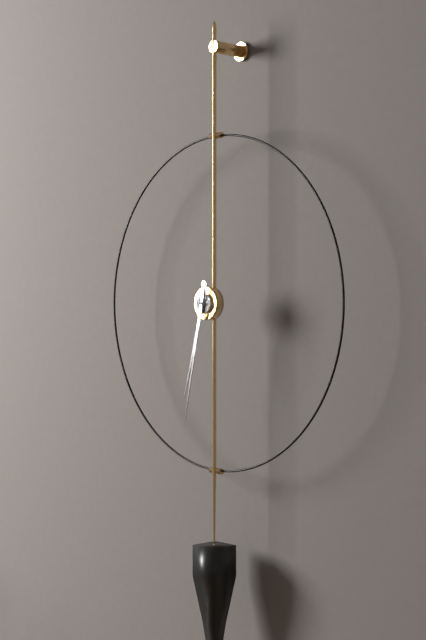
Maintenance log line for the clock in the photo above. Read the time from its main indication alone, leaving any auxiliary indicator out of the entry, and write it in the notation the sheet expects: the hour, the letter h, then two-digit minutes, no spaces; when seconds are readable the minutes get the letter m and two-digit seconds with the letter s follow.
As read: 6h32
